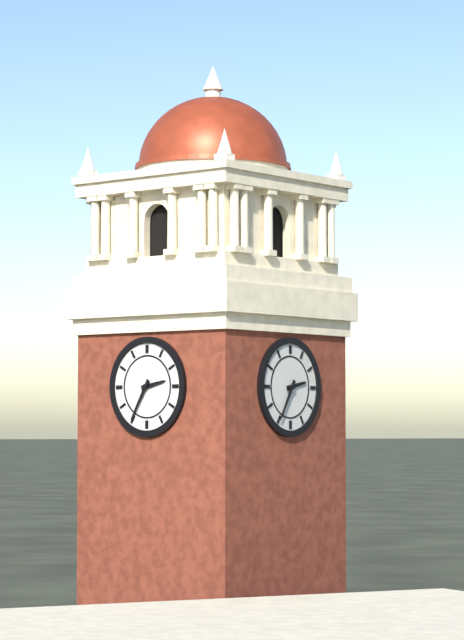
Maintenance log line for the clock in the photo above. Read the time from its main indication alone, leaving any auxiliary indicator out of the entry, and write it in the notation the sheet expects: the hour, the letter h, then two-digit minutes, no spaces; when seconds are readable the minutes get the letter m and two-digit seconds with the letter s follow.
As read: 2h35
